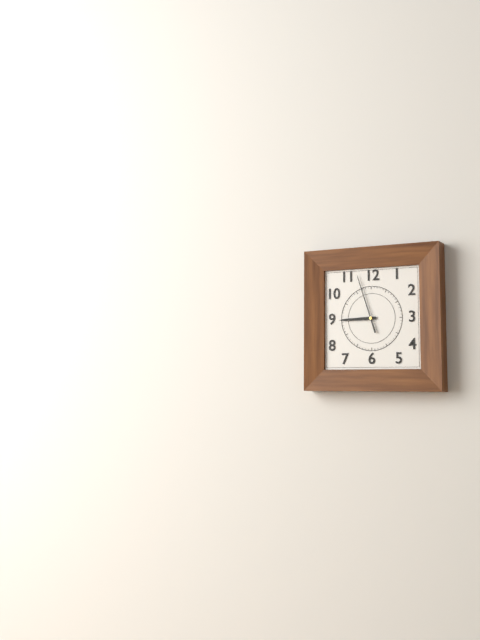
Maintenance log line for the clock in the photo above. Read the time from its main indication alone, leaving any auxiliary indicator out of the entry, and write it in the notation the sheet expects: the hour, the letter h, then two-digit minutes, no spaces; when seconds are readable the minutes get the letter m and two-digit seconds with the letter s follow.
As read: 8h57
